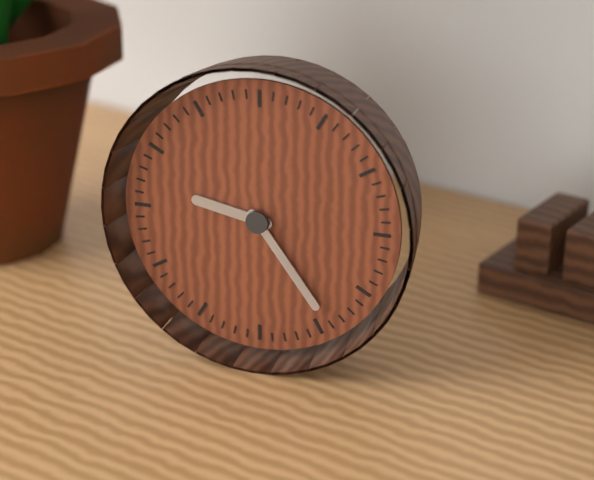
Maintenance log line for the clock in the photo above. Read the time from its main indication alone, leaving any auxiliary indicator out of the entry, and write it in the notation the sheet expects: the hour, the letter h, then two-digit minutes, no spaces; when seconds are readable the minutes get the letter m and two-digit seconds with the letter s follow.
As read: 9h24
